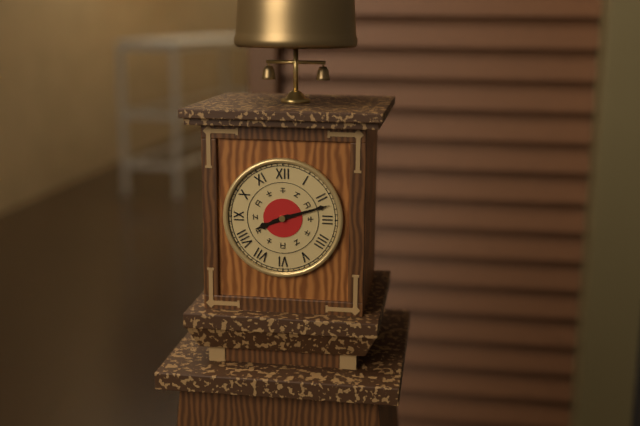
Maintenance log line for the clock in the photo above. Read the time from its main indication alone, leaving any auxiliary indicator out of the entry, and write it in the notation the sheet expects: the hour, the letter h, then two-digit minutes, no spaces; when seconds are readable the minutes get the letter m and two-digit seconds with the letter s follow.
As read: 8h12
